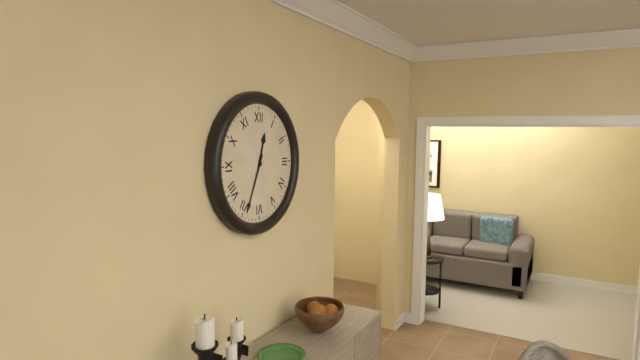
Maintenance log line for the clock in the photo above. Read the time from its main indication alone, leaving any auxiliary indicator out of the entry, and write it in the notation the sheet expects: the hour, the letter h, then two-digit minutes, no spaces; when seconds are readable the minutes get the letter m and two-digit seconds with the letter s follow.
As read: 12h34
